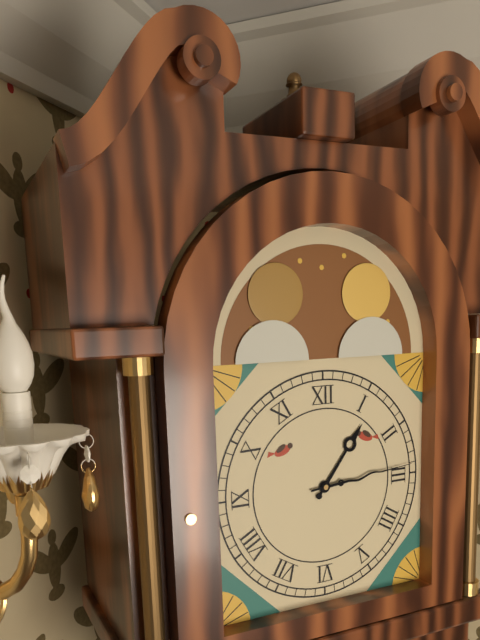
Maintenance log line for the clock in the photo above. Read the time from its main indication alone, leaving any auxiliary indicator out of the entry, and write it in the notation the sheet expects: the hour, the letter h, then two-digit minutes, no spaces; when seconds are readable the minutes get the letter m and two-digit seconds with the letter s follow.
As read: 1h14
